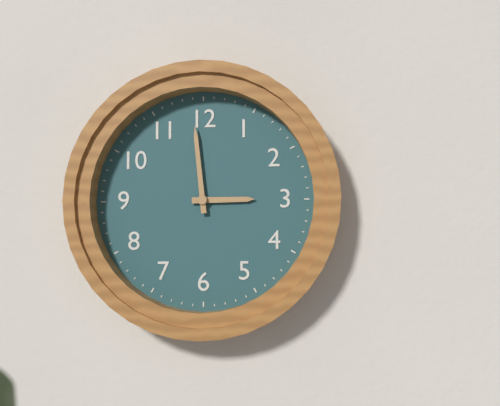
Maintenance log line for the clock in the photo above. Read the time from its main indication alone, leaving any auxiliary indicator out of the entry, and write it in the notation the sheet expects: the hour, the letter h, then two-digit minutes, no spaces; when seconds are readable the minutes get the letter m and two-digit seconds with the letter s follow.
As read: 2h59
